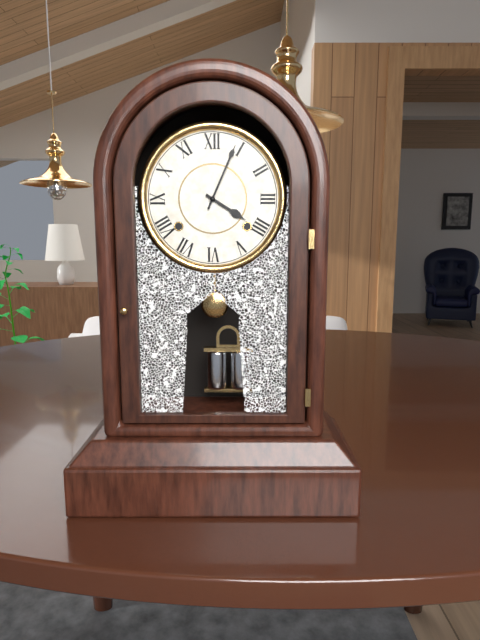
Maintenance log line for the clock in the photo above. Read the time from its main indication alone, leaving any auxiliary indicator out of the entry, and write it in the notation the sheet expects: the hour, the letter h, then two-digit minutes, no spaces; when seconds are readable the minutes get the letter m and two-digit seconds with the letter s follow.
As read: 4h04
